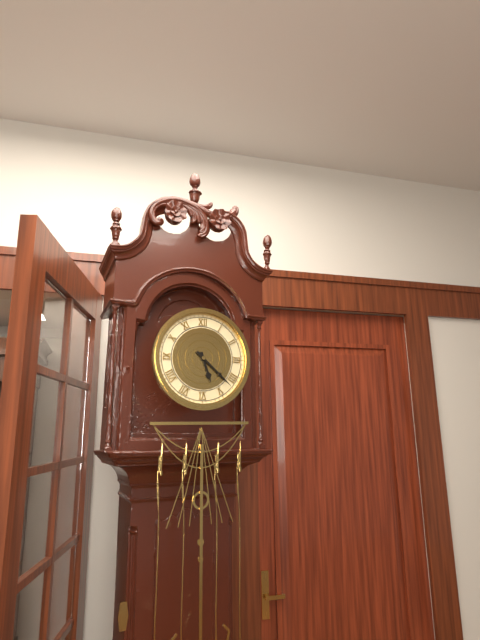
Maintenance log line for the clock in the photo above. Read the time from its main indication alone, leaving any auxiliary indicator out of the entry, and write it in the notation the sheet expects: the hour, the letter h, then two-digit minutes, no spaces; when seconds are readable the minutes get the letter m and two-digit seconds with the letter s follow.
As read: 5h22
